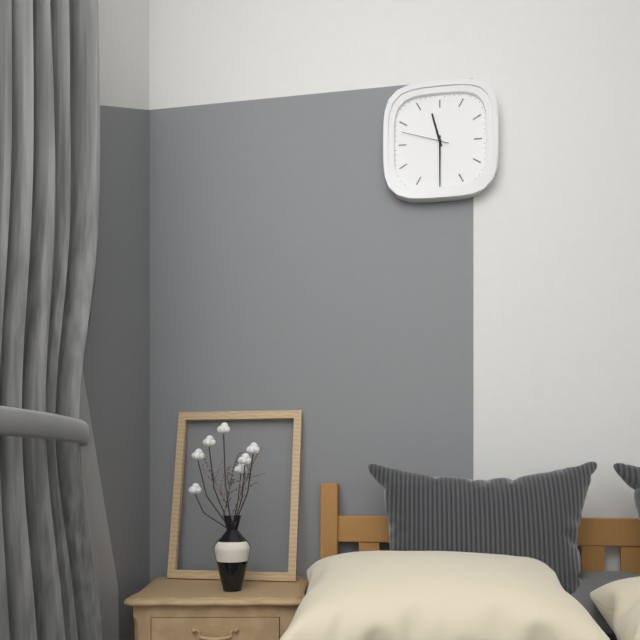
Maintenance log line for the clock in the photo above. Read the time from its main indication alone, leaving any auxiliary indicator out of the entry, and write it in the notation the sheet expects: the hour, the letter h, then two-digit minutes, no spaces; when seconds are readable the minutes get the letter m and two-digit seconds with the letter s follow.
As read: 11h30
